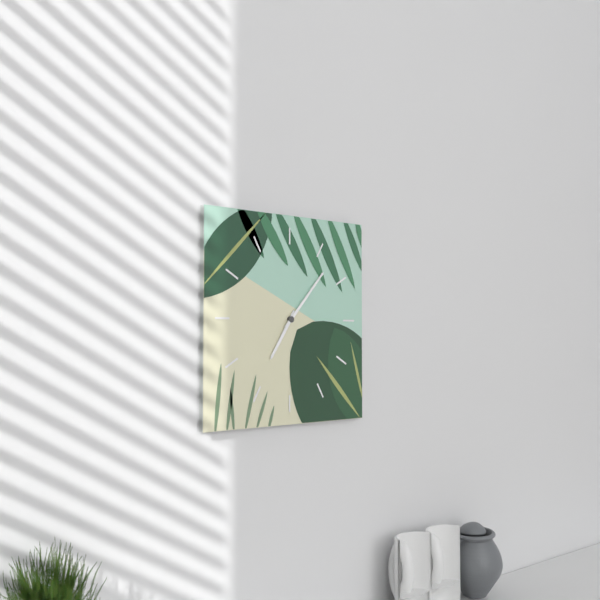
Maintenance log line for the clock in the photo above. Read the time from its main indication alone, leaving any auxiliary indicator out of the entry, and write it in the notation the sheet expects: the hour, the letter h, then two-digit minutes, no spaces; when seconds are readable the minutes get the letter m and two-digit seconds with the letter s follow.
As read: 7h07
